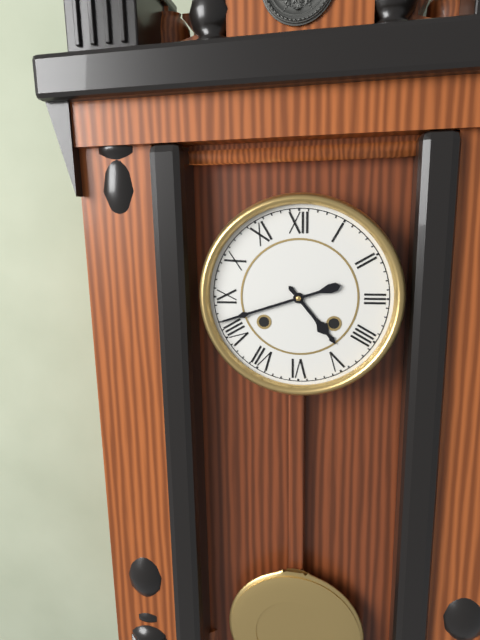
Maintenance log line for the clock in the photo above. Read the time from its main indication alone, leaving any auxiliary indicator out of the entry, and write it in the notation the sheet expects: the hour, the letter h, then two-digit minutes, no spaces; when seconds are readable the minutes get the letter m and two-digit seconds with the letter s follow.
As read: 4h42
